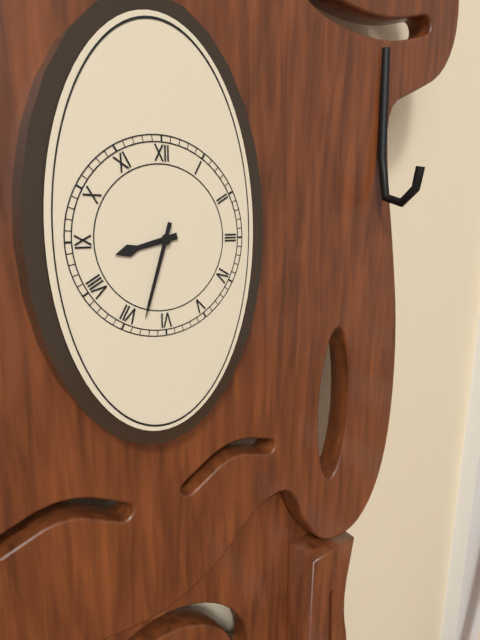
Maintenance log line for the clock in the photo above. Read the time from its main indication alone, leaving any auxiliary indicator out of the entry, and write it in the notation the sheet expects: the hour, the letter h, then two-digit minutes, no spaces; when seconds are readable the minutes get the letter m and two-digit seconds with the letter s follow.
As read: 8h33
